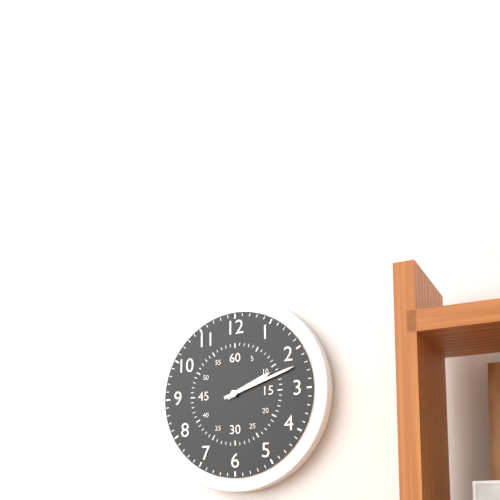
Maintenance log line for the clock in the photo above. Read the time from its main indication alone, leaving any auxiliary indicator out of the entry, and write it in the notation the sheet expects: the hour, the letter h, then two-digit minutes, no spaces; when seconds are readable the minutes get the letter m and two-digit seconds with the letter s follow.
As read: 2h12
